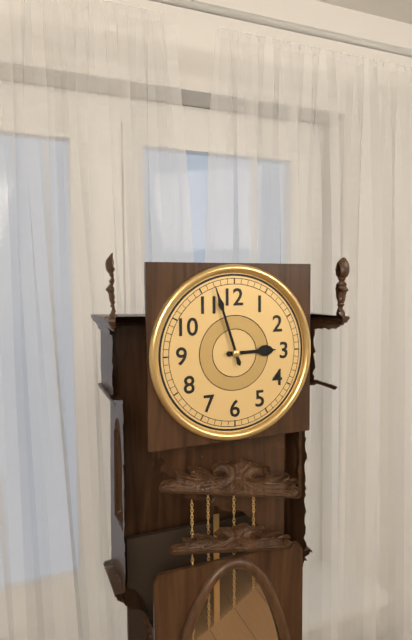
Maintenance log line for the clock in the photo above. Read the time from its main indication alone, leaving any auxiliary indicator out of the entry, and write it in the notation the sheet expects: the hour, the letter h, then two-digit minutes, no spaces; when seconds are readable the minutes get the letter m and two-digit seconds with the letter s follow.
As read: 2h57
